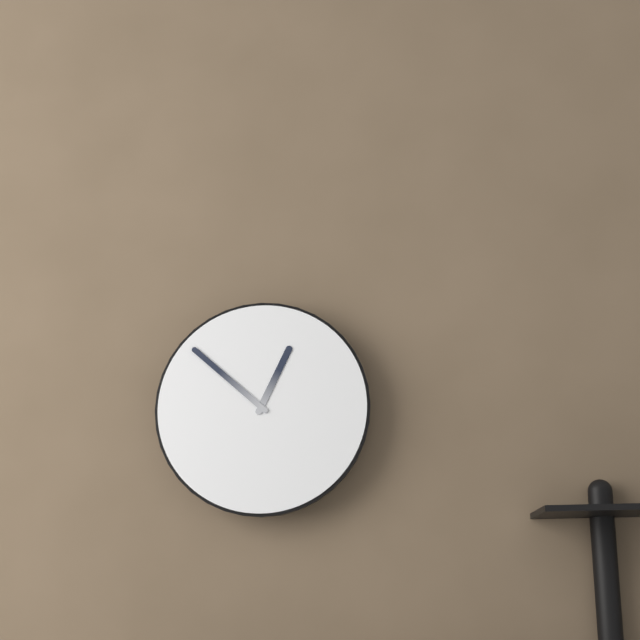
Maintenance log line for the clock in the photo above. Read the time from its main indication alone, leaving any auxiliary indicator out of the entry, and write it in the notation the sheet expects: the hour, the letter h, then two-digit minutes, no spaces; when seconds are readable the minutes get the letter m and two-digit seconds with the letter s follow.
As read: 12h52
